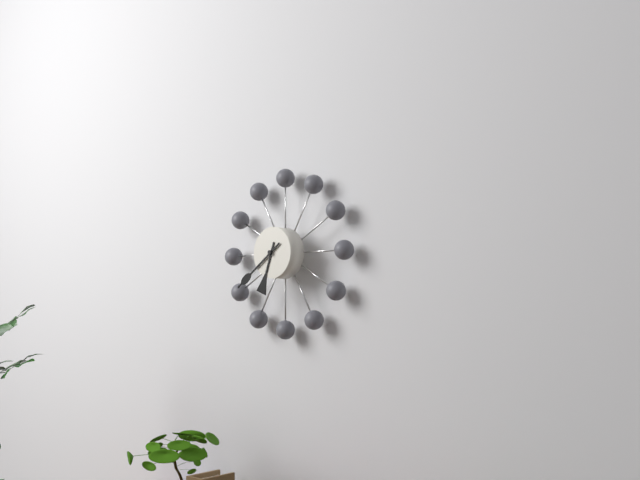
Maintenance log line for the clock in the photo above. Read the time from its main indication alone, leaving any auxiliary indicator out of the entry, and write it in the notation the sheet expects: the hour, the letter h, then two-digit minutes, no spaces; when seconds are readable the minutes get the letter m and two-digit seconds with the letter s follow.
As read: 6h39
